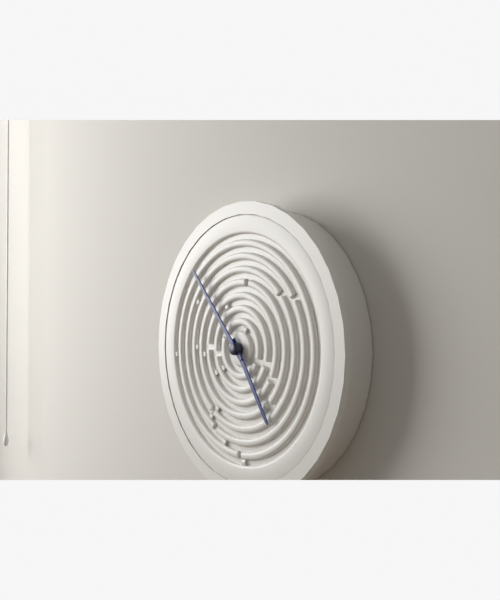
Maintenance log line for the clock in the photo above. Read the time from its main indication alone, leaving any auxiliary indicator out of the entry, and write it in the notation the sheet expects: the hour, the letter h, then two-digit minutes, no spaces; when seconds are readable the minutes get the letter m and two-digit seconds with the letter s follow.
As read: 4h53
